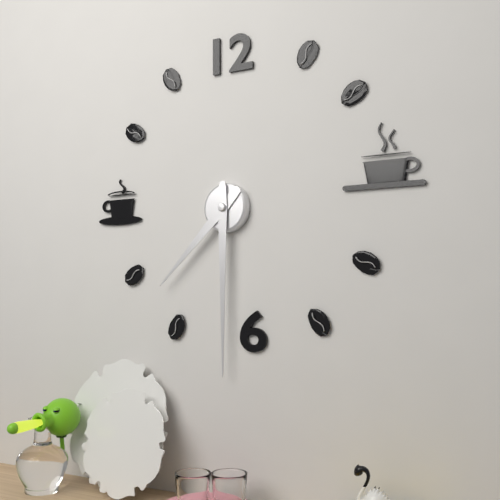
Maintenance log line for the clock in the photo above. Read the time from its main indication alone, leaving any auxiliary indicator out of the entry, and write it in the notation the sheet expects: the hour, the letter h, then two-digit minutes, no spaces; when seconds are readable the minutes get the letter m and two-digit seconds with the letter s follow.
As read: 7h30
